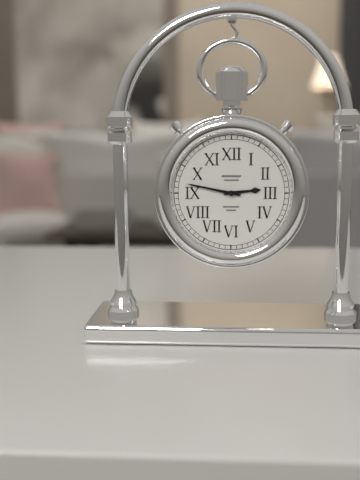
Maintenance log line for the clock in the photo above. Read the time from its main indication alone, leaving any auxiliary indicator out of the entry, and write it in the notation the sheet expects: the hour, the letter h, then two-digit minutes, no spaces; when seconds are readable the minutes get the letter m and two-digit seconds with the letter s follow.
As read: 2h47
